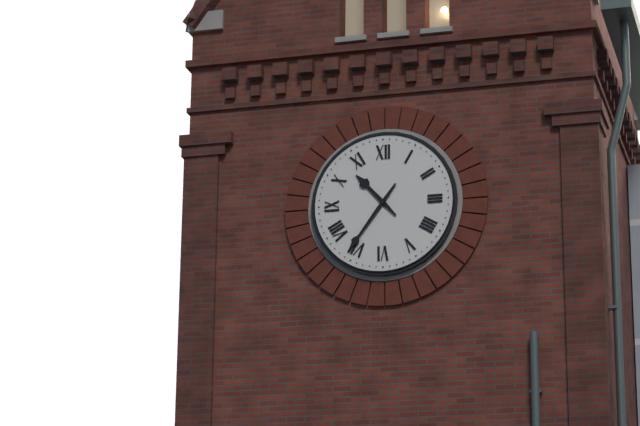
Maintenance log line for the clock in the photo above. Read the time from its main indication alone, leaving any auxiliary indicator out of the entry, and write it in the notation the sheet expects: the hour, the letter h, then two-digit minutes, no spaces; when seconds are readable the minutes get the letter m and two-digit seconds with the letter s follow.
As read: 10h36
